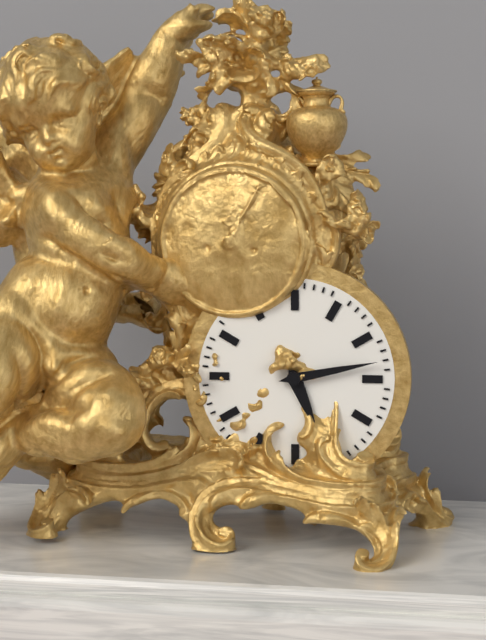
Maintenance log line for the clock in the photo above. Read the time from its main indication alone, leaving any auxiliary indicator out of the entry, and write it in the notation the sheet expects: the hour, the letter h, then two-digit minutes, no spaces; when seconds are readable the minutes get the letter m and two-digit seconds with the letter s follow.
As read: 5h13
